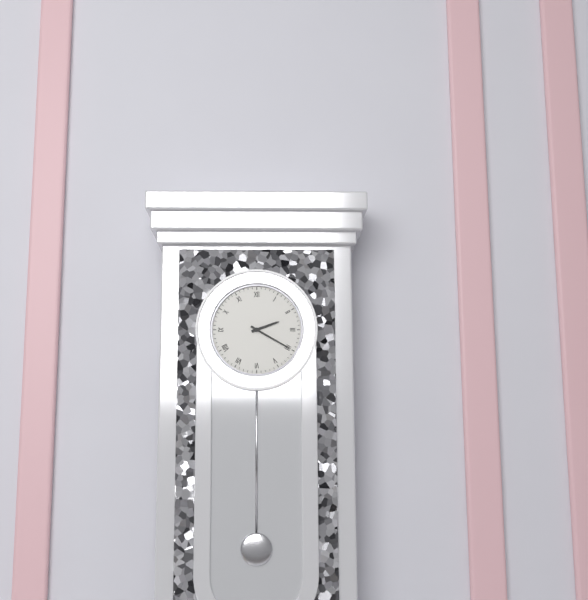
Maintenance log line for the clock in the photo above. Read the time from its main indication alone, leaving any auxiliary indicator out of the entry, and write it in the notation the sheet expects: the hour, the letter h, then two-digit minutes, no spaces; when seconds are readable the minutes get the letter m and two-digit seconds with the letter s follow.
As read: 2h20
